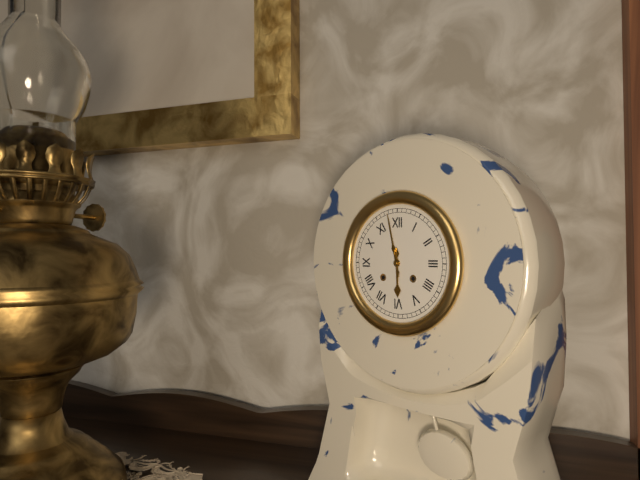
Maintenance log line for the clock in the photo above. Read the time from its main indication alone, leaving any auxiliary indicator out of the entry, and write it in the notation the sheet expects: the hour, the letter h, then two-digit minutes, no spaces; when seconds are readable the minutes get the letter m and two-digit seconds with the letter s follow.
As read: 5h58
